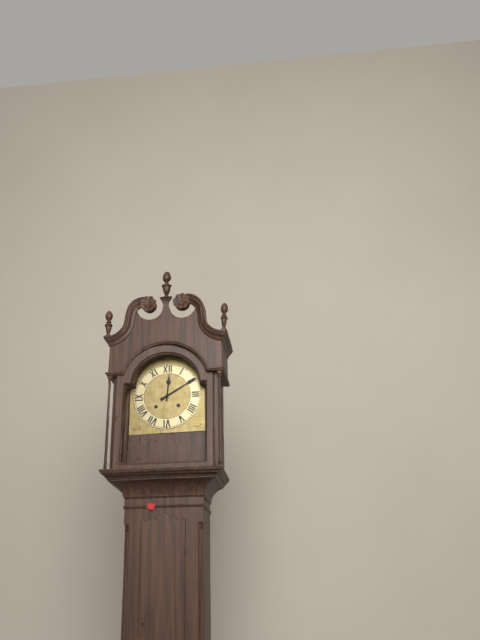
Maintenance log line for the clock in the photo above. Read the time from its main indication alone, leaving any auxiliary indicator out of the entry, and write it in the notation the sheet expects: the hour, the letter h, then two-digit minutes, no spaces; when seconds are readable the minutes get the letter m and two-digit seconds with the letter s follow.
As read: 12h10
